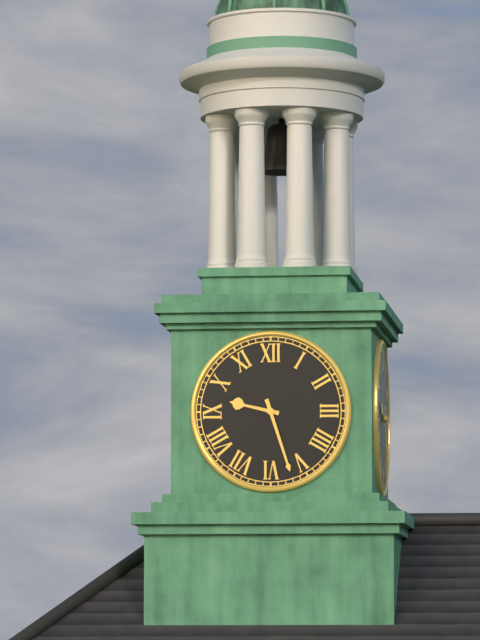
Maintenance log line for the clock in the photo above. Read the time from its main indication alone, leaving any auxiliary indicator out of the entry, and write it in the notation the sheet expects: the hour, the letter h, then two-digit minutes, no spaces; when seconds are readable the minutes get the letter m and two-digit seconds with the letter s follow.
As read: 9h27
